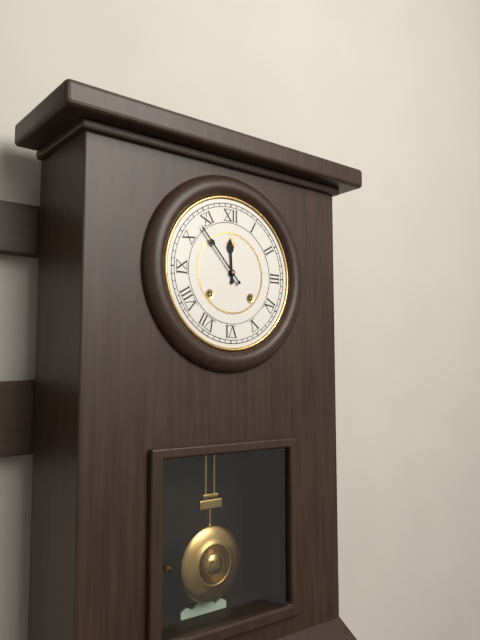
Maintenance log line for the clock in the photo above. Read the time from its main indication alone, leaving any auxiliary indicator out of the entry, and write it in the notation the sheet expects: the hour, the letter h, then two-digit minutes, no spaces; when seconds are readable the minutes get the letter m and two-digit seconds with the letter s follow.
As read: 11h53
